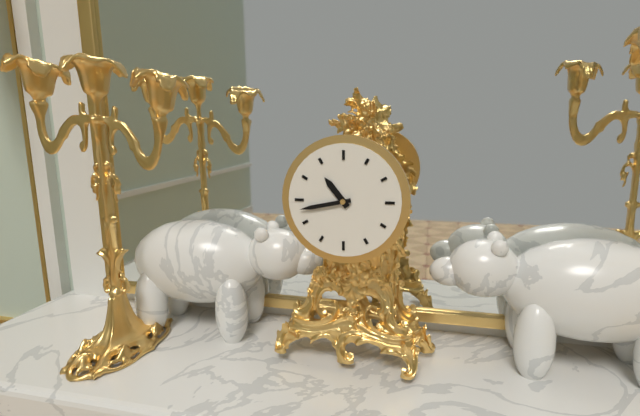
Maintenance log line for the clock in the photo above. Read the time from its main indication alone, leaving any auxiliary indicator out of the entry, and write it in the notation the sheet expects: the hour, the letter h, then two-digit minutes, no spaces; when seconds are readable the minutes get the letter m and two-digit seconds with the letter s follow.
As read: 10h43
